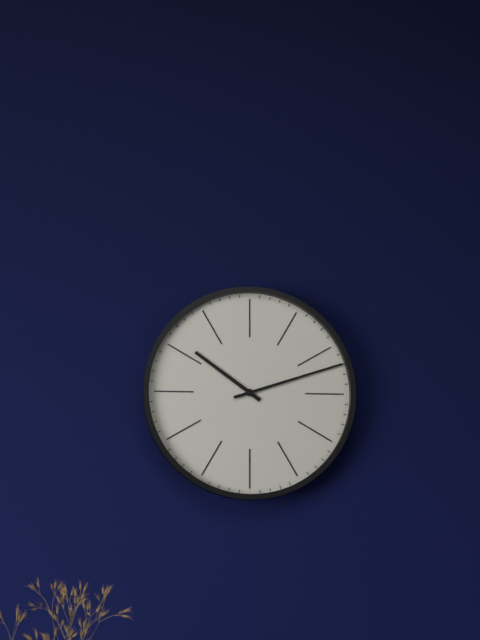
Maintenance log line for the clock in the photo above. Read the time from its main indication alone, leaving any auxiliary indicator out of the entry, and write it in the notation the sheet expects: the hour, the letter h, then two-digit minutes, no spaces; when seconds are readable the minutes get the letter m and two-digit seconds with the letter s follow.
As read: 10h12
